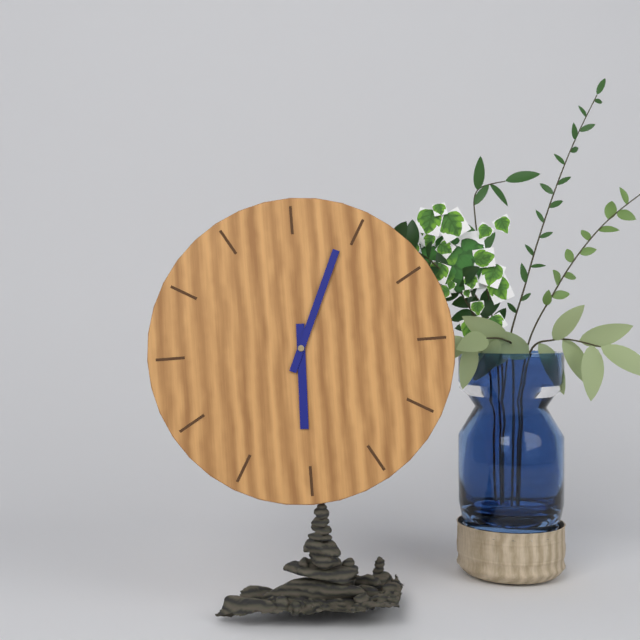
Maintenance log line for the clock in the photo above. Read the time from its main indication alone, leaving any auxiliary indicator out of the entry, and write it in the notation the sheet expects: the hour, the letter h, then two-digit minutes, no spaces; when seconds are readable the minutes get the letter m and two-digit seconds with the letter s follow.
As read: 6h04
